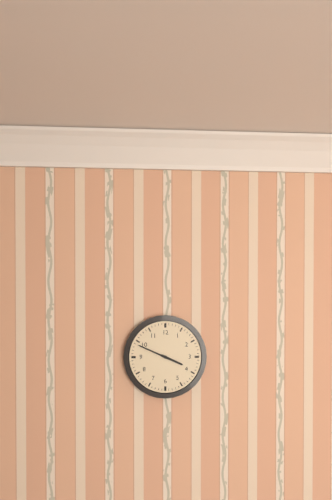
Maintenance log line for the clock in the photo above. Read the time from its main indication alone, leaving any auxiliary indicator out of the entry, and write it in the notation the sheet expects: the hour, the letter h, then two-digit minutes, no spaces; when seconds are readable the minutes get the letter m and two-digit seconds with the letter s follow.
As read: 3h49
